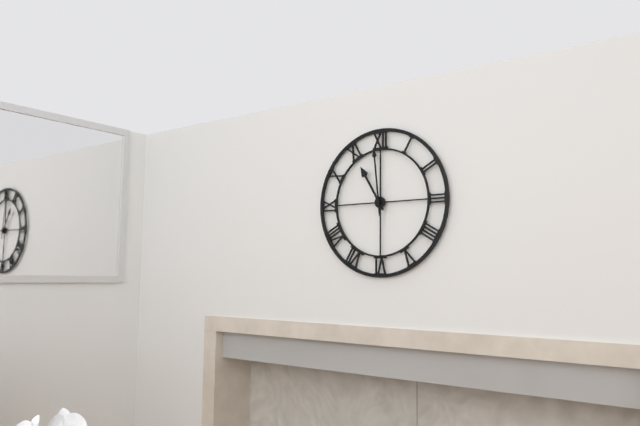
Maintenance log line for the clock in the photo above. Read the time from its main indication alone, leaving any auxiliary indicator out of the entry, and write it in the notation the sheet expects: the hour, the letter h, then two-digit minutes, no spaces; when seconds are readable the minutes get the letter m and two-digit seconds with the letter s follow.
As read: 10h59
